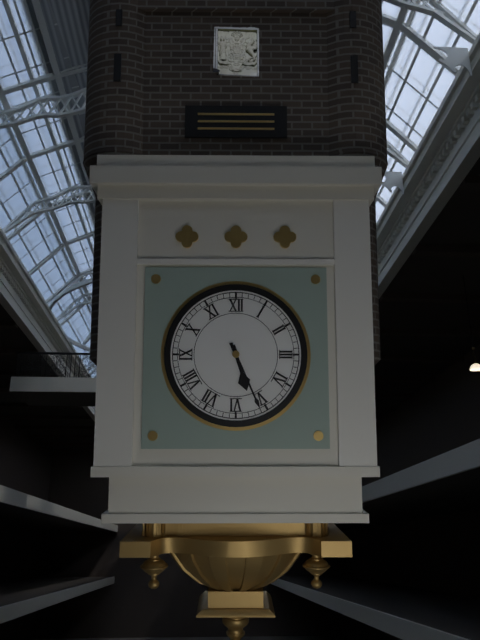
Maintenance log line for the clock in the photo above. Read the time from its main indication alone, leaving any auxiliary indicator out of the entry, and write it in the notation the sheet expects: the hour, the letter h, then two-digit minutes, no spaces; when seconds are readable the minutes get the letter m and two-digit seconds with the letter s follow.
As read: 5h26
